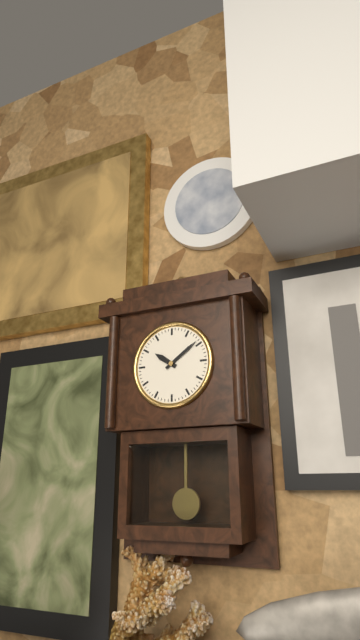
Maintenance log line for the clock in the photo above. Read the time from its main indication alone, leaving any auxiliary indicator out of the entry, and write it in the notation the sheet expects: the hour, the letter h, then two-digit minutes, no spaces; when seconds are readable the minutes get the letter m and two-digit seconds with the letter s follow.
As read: 10h09
